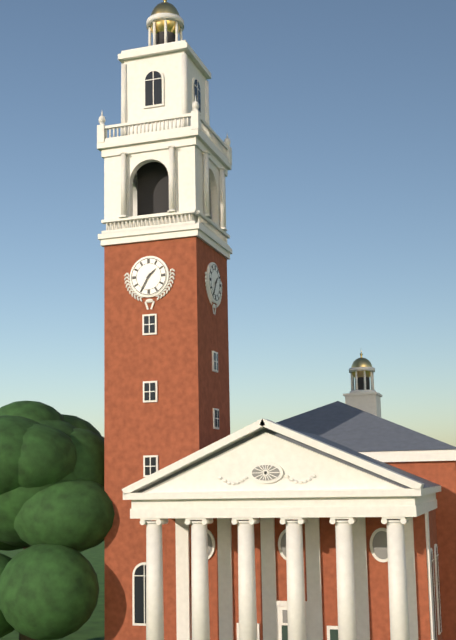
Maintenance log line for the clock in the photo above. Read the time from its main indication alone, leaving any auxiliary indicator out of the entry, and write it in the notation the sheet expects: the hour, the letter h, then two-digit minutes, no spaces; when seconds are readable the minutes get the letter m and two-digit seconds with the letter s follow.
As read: 1h35
